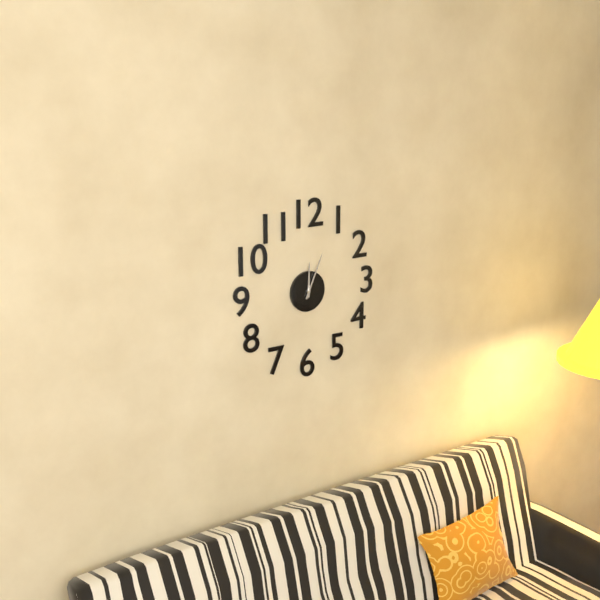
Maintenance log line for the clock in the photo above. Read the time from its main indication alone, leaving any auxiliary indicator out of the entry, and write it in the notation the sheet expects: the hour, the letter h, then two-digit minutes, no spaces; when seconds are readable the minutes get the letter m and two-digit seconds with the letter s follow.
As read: 12h04
